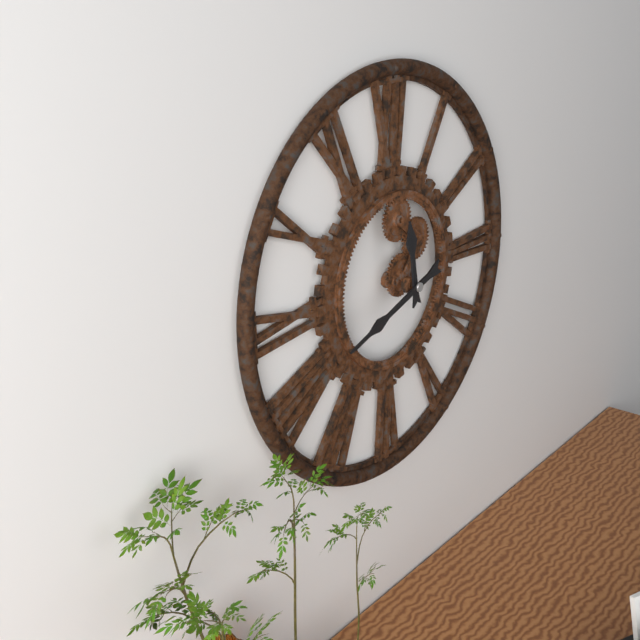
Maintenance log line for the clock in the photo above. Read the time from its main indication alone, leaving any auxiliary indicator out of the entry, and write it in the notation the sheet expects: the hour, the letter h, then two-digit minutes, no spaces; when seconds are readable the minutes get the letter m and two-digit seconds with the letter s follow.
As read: 11h42
